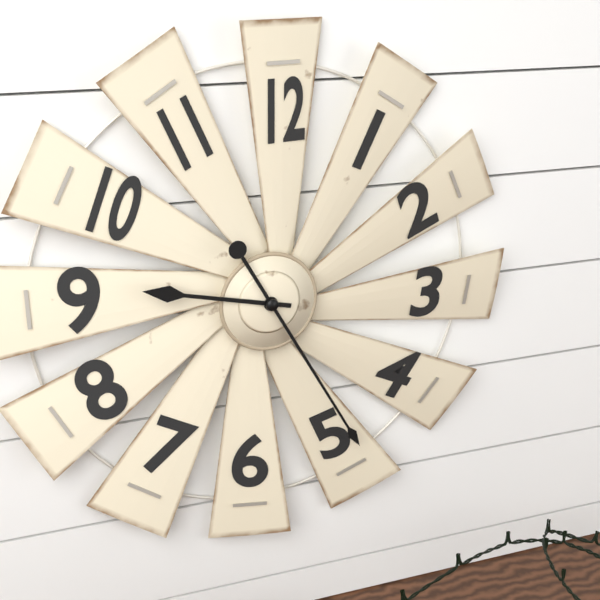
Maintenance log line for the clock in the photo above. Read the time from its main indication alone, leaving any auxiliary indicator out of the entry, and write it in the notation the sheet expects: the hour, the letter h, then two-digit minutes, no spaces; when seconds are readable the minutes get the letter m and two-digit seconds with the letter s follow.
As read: 9h25
